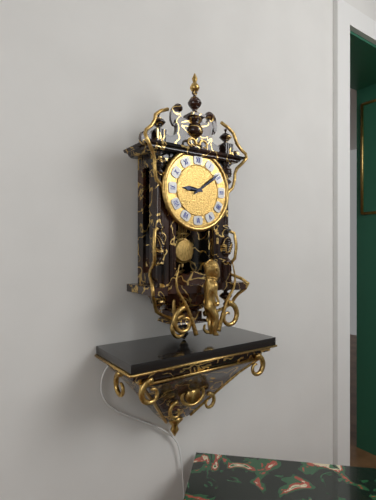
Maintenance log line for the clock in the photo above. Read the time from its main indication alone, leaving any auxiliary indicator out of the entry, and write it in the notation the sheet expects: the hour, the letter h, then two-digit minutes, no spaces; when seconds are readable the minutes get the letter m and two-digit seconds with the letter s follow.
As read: 9h09
